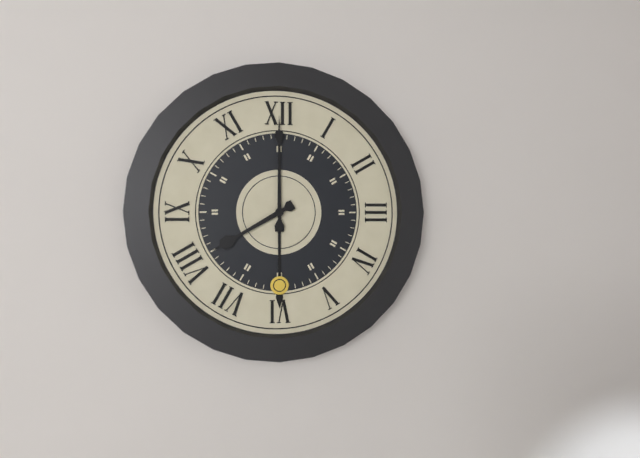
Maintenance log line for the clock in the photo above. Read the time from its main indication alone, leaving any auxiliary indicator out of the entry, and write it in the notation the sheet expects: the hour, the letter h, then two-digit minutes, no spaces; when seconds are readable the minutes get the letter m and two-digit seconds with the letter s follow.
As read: 8h00
